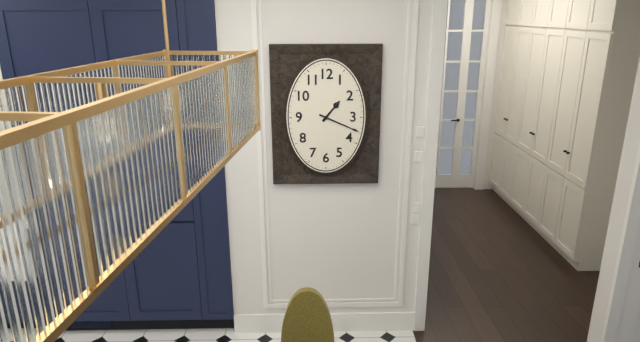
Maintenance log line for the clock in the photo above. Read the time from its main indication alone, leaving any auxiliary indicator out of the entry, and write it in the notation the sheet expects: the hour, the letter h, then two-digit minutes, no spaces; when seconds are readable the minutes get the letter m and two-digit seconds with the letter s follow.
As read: 1h19
